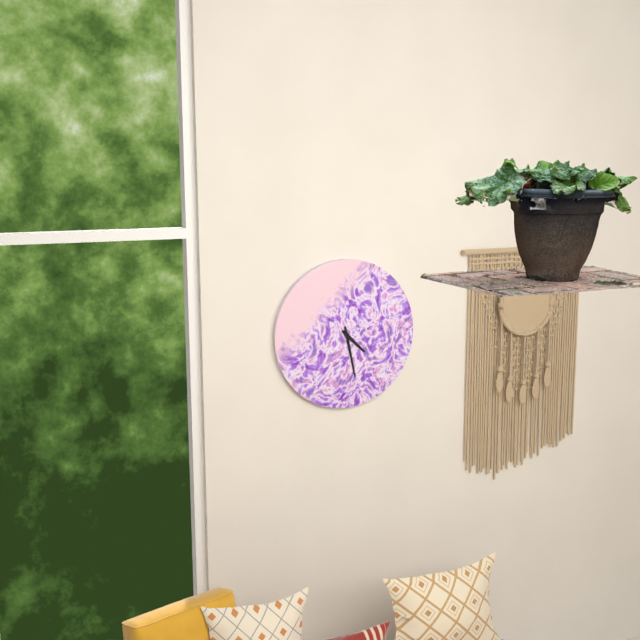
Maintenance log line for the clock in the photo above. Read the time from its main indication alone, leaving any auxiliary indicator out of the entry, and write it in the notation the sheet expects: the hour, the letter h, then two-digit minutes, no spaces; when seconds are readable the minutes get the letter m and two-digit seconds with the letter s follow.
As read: 4h28
